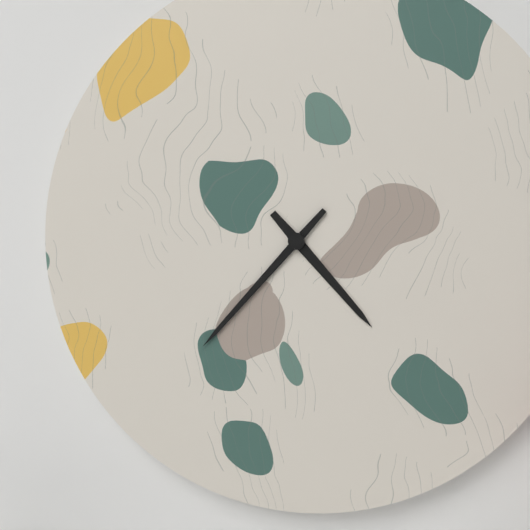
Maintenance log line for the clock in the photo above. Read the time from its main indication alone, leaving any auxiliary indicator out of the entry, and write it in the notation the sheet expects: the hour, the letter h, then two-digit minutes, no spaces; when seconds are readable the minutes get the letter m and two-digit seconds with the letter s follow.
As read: 4h37
